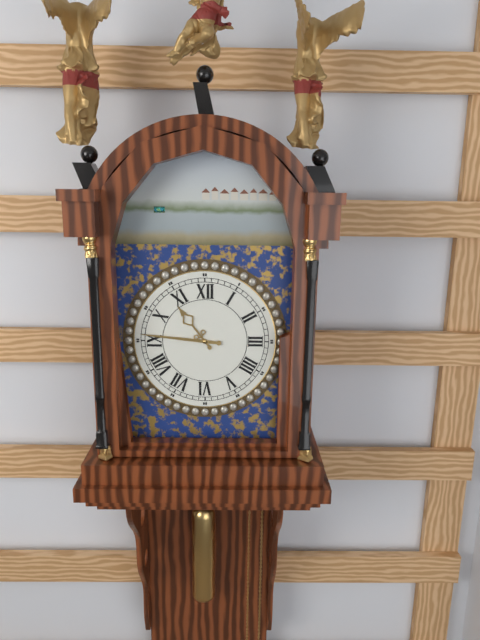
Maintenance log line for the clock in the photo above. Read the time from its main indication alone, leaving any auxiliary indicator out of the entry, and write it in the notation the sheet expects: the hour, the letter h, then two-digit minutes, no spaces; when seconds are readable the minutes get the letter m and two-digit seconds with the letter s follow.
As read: 10h46
